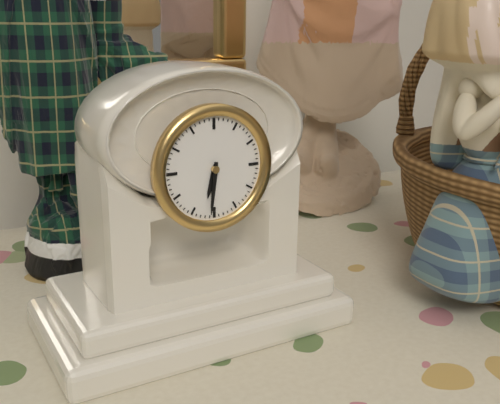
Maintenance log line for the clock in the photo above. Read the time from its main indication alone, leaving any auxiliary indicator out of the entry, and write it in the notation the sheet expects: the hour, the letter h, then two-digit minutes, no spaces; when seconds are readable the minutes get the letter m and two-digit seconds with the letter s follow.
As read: 6h31
